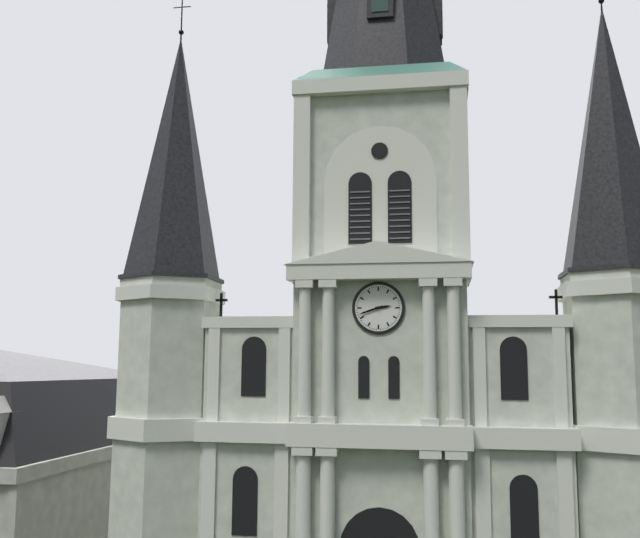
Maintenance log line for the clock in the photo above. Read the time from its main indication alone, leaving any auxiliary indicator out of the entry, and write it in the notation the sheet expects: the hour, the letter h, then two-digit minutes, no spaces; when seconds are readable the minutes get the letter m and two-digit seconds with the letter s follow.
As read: 2h42
